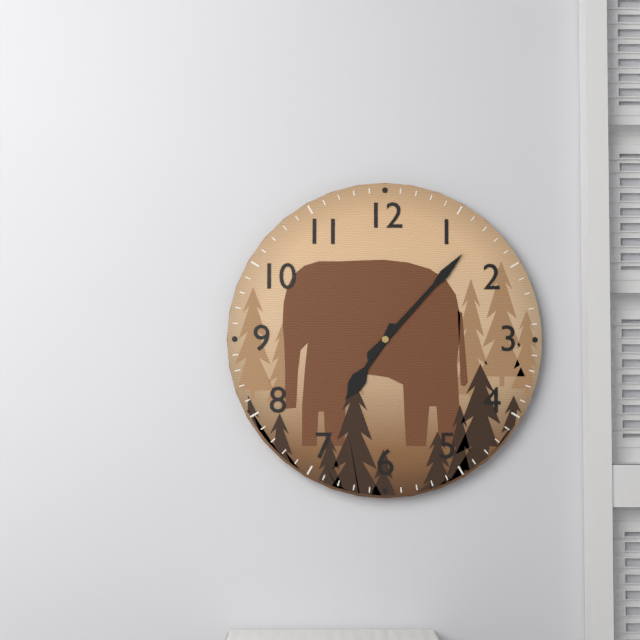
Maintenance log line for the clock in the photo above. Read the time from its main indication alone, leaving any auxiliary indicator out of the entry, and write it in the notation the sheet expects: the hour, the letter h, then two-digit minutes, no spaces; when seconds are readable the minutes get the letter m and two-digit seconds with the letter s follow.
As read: 7h07
